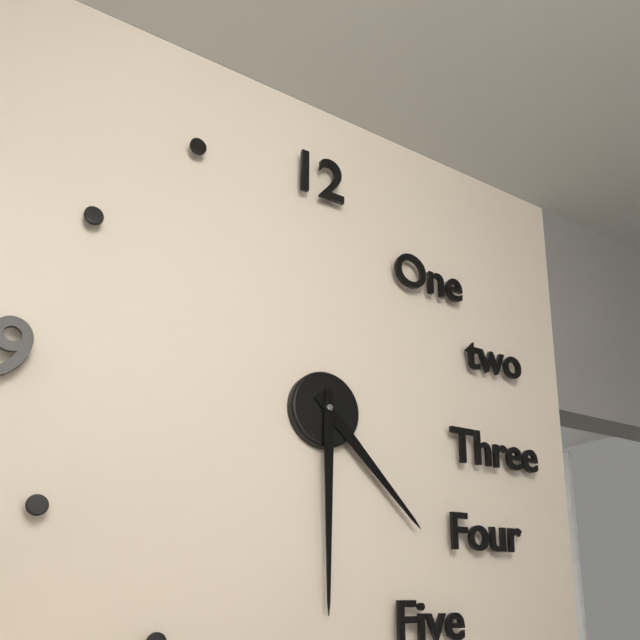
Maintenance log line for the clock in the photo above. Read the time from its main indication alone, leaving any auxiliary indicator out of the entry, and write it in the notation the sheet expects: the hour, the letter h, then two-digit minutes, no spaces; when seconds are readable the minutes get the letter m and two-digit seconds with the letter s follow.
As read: 4h30
